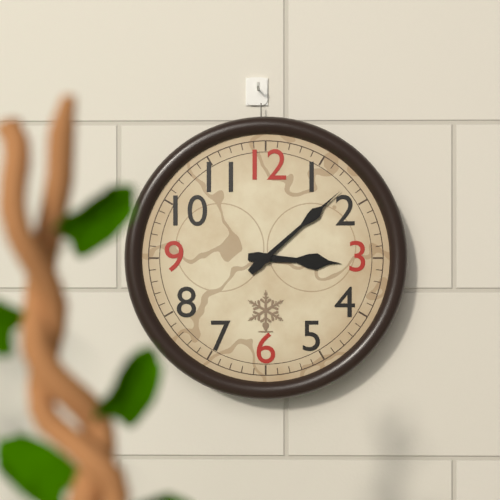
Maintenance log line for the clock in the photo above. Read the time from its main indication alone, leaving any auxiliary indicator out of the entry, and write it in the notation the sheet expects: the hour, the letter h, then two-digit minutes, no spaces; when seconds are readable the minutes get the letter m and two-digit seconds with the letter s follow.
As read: 3h08
